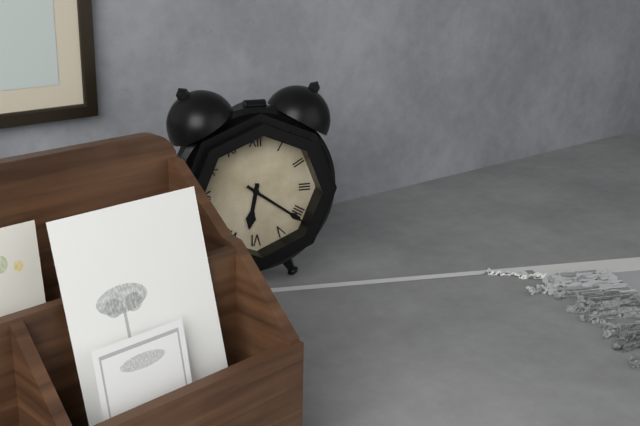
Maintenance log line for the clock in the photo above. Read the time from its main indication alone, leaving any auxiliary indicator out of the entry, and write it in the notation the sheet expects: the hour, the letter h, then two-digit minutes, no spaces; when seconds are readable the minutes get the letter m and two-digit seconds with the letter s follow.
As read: 6h21
